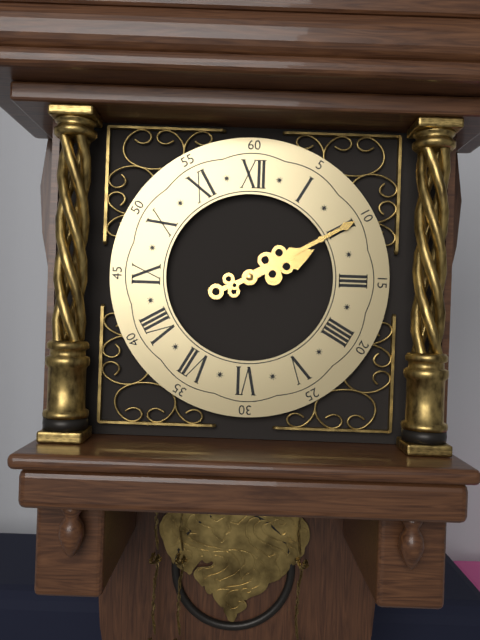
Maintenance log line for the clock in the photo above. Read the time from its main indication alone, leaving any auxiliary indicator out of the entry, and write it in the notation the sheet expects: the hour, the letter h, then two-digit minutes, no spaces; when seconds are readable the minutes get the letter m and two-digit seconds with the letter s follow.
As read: 2h10
